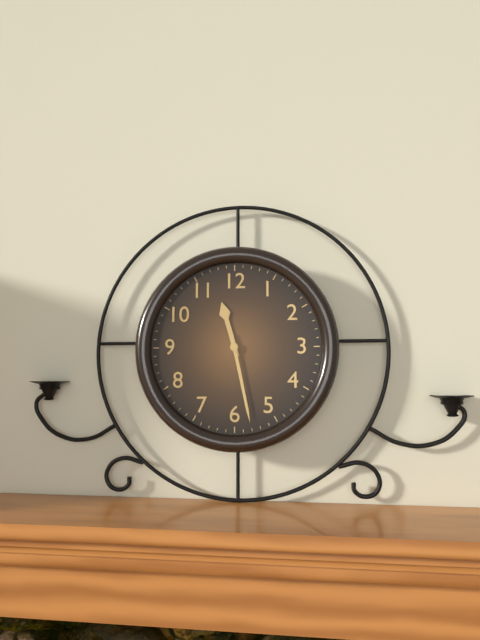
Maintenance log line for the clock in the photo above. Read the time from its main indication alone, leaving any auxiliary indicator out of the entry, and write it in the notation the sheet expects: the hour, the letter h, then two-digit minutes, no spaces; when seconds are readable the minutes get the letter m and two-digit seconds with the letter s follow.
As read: 11h28
